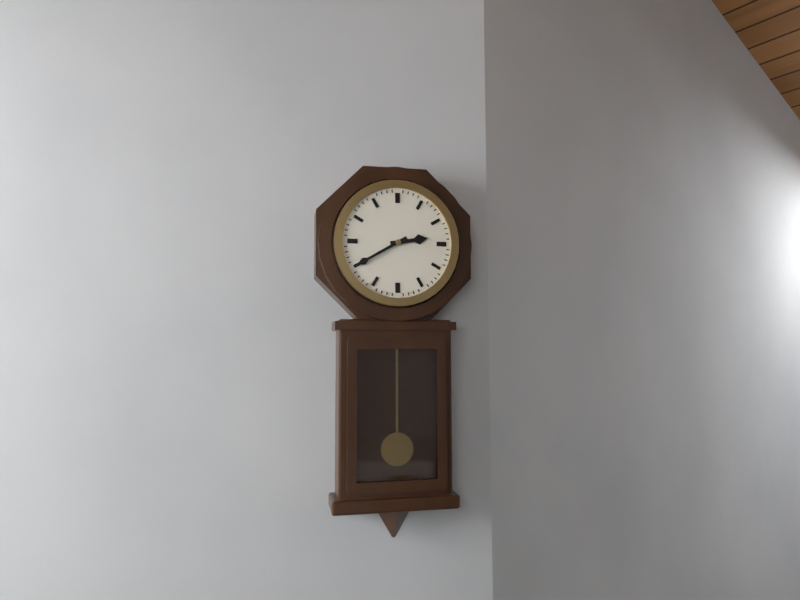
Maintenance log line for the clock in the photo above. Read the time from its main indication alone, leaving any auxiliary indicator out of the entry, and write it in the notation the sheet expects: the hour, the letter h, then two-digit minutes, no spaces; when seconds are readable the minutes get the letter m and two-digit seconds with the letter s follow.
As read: 2h40
